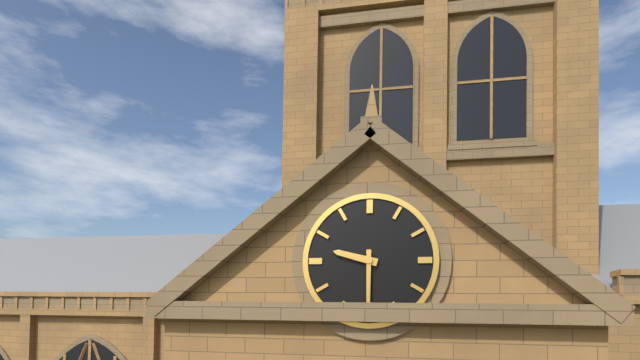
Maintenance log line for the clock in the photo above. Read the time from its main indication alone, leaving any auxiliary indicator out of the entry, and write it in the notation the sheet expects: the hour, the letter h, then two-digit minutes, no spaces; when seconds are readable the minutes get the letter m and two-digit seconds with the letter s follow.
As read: 9h30
